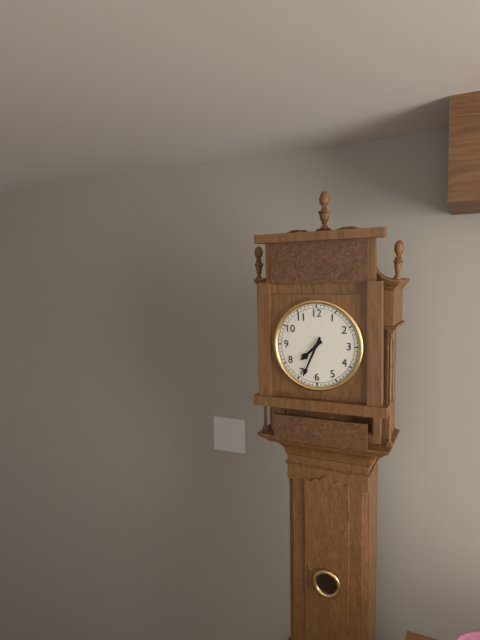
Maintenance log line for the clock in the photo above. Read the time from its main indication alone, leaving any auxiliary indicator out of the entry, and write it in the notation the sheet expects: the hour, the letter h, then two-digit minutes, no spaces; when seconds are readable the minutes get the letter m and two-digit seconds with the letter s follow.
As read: 7h34
